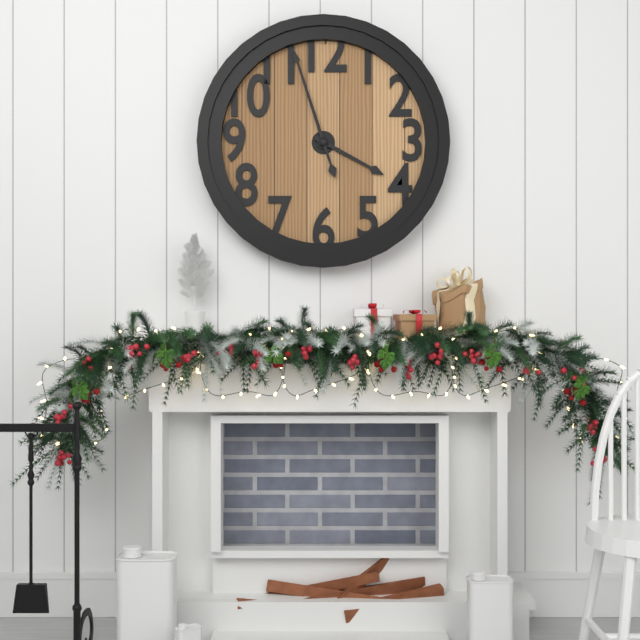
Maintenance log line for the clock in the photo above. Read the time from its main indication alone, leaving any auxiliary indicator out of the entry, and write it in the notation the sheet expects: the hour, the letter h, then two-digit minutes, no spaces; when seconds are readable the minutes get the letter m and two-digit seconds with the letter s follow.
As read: 3h57
